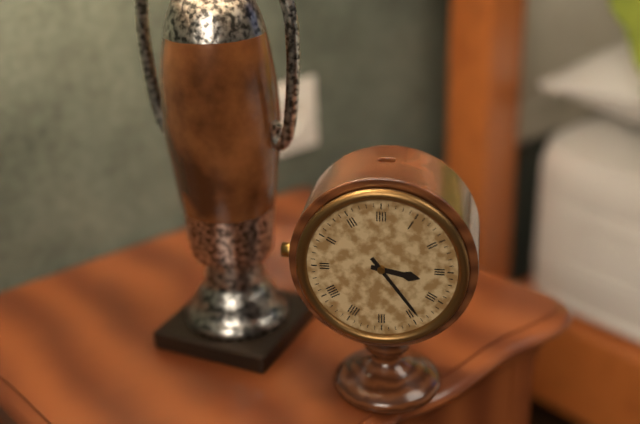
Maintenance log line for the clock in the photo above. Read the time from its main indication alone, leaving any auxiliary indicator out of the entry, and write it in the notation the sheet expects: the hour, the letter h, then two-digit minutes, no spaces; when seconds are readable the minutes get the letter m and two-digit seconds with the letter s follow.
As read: 3h24
